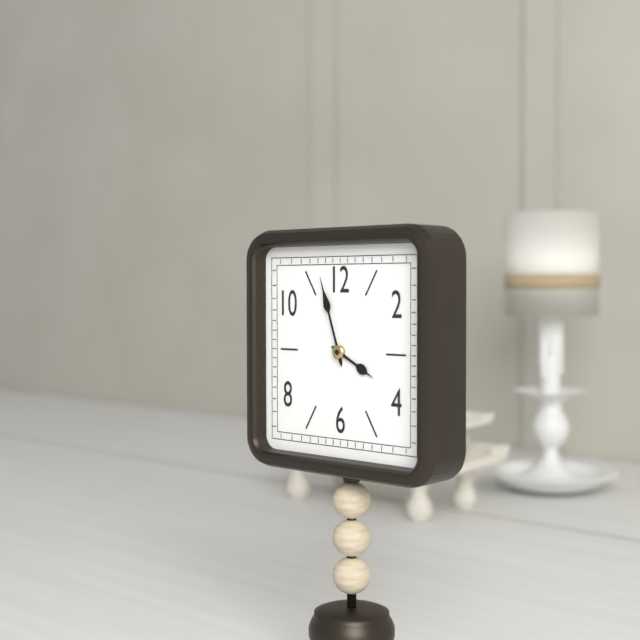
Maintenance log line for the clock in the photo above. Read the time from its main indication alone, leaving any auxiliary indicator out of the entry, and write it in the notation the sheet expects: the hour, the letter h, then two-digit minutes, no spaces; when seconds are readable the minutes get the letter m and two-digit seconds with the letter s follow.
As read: 3h57
